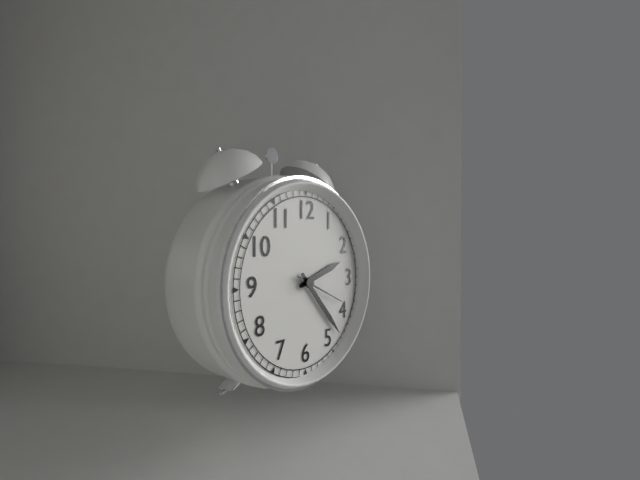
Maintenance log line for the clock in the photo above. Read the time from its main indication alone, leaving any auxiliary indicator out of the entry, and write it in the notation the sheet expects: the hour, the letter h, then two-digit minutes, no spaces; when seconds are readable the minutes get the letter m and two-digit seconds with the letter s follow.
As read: 2h23
